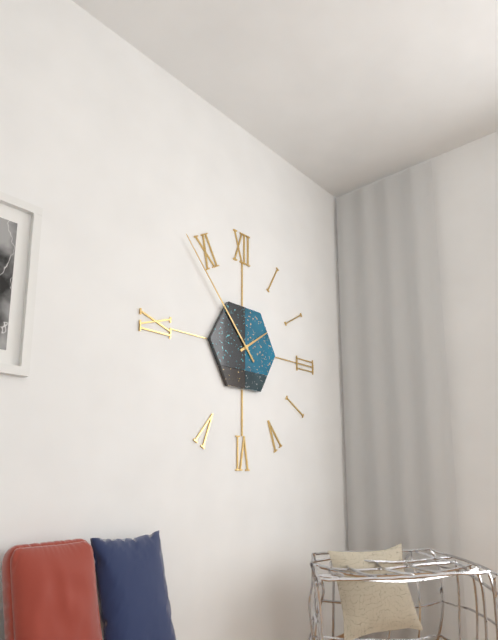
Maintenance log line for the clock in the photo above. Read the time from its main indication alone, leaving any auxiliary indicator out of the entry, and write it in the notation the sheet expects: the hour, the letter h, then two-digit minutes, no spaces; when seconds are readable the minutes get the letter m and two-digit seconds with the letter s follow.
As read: 1h53
